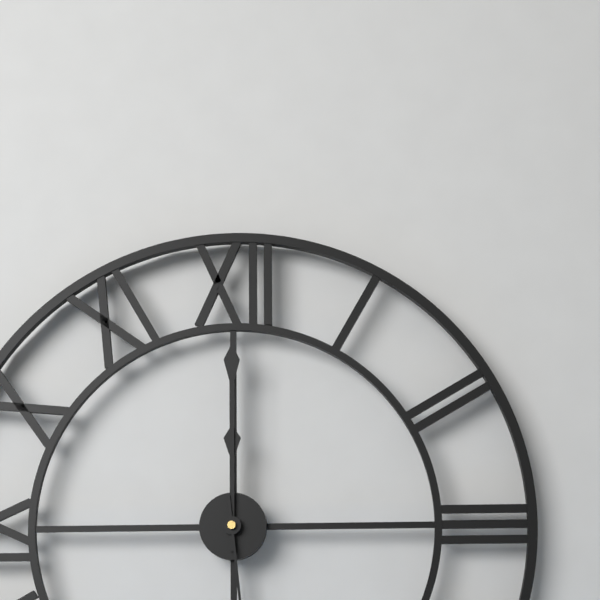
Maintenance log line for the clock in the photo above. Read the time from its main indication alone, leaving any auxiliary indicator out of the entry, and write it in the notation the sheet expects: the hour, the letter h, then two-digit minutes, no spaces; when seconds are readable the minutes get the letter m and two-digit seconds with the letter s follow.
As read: 12h00
